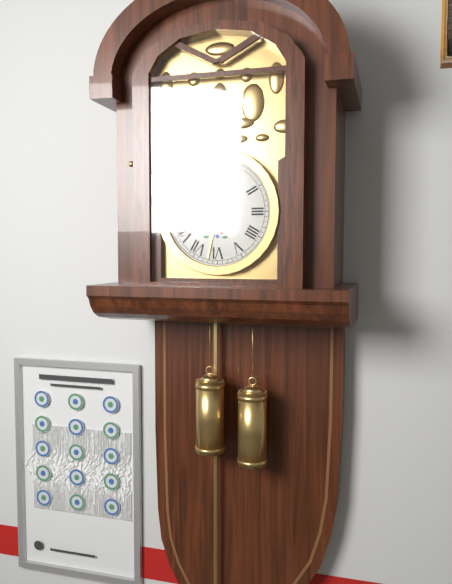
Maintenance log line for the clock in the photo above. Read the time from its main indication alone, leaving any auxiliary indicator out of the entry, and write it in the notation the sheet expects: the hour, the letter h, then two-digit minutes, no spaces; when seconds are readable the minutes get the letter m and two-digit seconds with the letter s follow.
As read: 6h32
